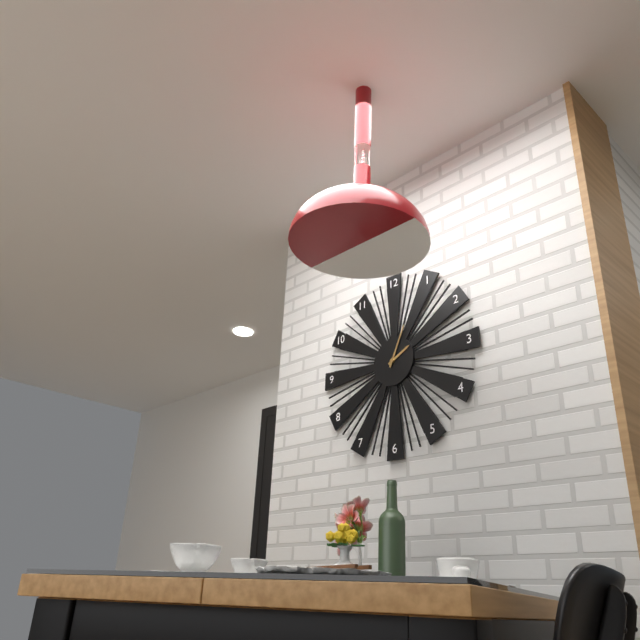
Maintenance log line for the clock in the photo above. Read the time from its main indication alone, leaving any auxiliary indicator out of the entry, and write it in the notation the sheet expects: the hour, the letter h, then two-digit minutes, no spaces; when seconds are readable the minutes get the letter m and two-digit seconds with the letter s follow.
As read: 2h04
